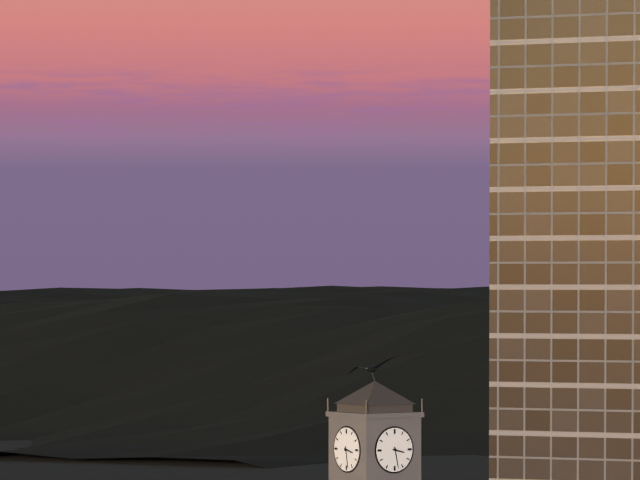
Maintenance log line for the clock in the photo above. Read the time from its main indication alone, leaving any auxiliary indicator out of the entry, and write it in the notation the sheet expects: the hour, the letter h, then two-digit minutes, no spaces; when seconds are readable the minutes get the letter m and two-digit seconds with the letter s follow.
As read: 3h28
